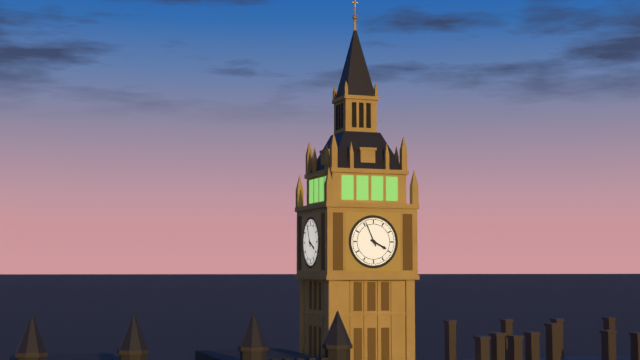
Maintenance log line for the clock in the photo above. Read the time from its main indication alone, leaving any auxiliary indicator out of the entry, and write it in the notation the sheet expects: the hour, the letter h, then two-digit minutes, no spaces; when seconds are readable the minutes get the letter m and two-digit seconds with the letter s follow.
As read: 3h56
